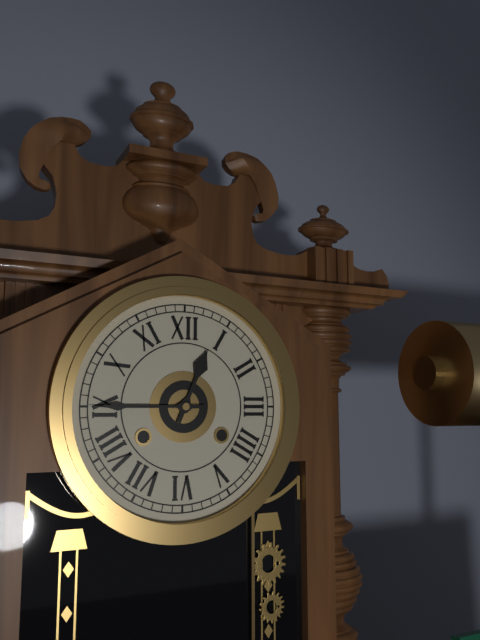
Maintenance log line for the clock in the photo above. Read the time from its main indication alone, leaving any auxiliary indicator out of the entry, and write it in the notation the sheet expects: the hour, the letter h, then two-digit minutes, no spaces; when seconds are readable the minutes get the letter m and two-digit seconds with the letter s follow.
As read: 12h45
